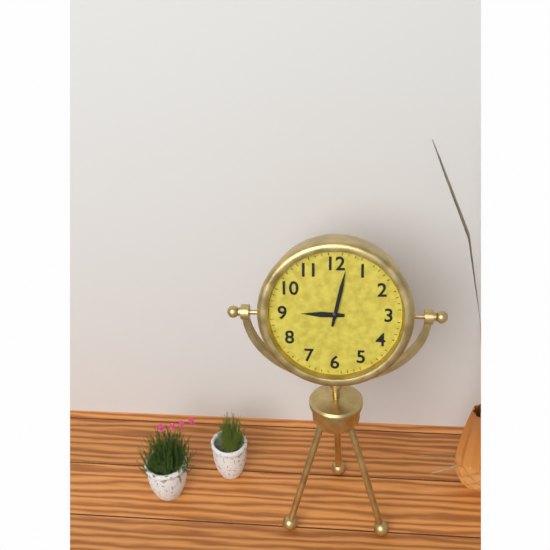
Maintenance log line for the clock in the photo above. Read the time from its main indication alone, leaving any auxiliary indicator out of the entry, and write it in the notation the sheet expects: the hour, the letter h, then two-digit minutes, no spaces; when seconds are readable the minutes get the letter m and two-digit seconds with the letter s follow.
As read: 9h02
